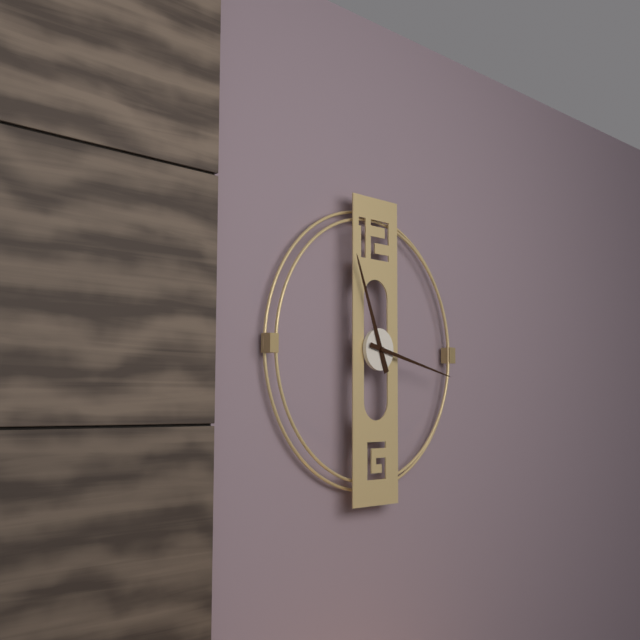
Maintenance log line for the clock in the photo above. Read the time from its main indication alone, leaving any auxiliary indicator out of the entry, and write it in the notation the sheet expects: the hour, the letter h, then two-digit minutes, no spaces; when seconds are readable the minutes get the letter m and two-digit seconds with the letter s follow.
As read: 11h17
